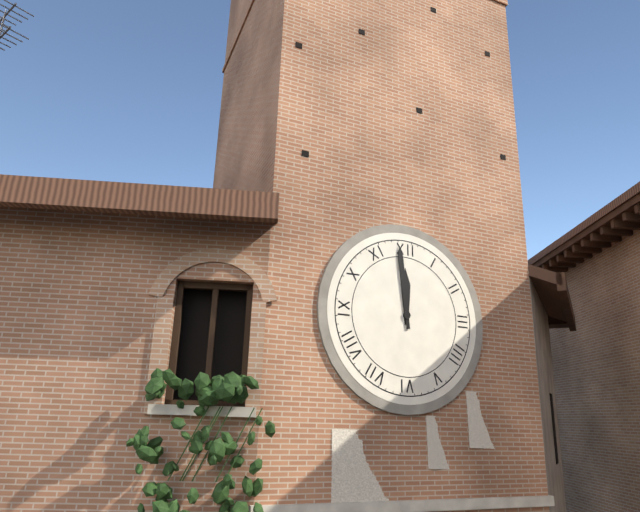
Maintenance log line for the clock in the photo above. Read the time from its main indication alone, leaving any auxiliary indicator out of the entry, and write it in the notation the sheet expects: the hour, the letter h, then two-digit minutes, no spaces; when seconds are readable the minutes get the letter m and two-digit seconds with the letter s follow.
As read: 11h59
